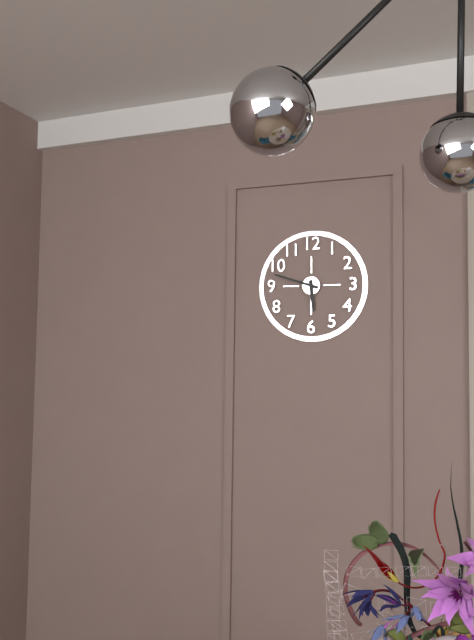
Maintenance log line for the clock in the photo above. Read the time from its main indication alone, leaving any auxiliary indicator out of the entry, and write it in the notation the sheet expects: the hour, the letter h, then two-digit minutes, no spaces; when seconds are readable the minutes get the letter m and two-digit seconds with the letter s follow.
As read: 5h48
